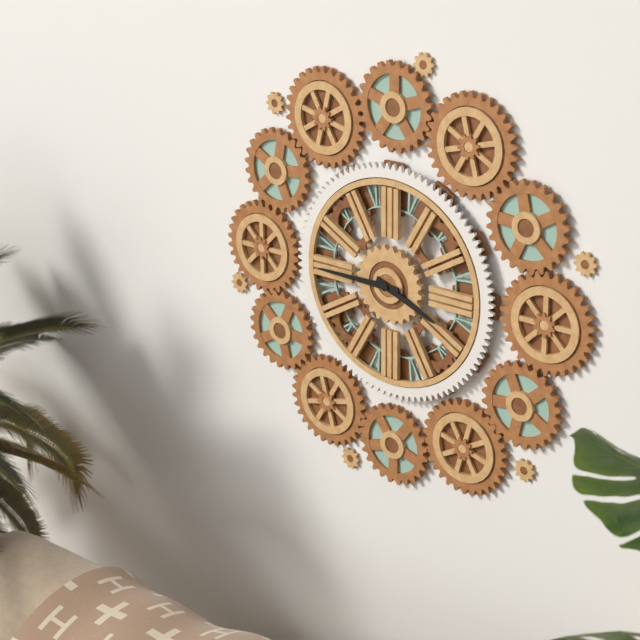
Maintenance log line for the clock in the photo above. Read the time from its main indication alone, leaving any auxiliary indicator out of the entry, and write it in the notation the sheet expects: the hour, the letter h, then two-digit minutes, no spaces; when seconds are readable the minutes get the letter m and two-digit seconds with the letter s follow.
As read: 3h45
